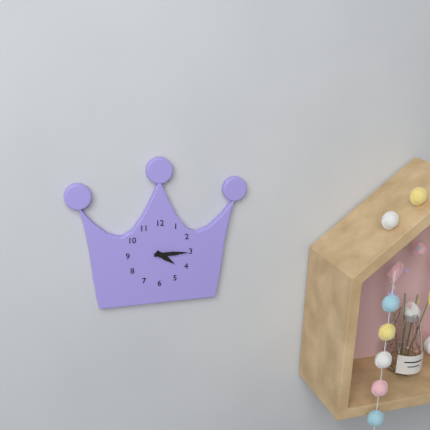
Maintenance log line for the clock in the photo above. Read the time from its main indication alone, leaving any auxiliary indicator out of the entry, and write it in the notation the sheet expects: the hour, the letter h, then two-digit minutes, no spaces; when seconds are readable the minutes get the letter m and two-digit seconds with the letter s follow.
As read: 4h15
